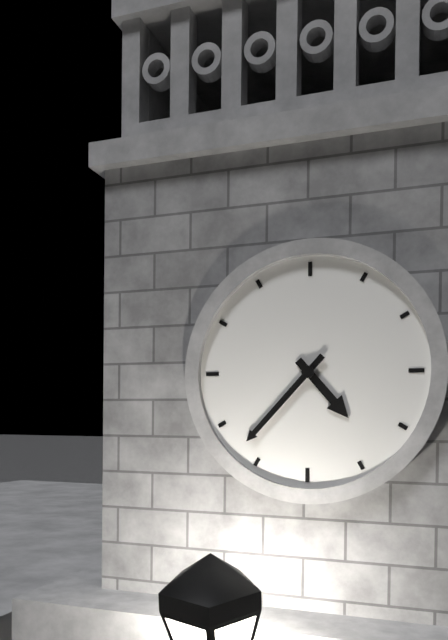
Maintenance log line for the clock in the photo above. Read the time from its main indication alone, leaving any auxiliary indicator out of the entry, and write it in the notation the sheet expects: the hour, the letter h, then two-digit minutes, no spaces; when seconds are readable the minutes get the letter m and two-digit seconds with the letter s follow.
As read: 4h37
